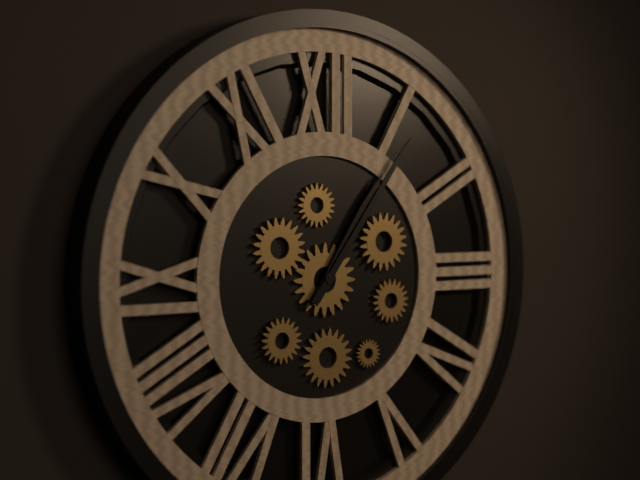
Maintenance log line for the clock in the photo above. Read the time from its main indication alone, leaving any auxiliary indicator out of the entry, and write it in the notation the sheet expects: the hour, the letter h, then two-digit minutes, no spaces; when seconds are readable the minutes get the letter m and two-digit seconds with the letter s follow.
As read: 1h06
